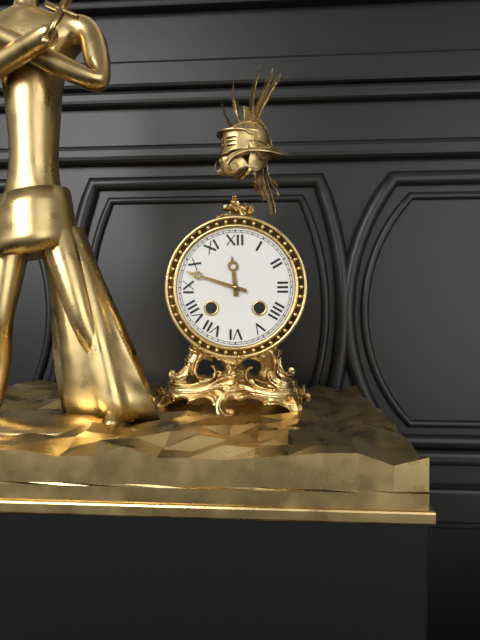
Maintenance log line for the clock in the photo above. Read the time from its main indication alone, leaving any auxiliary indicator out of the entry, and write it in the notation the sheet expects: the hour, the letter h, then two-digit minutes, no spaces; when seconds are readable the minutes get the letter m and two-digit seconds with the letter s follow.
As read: 11h48
